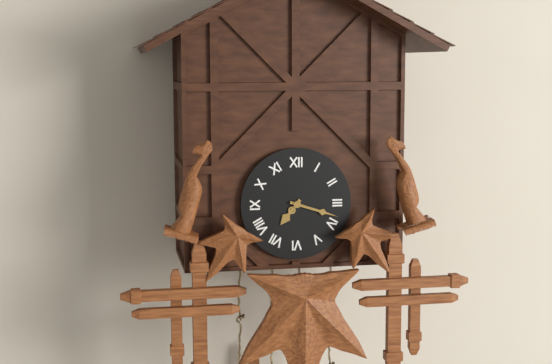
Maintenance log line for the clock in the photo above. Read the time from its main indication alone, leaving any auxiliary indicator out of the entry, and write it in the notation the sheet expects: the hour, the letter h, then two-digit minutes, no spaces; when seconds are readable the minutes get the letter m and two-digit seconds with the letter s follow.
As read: 7h18
